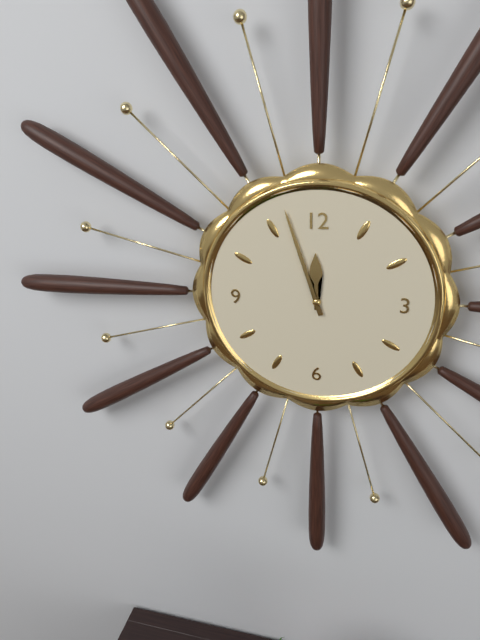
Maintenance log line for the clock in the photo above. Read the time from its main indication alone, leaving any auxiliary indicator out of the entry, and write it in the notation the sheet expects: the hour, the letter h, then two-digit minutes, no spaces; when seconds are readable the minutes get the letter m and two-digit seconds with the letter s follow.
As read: 11h57
